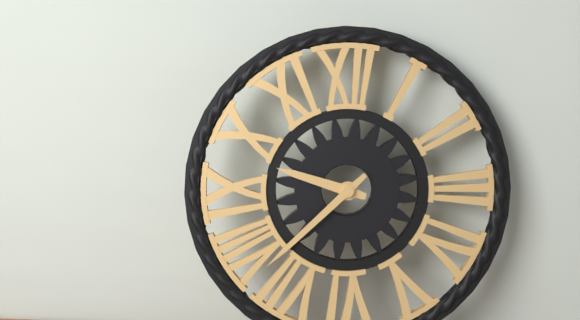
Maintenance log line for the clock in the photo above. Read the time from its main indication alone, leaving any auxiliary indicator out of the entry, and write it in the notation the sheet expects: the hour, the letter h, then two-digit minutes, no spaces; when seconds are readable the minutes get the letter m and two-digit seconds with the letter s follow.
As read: 9h38
